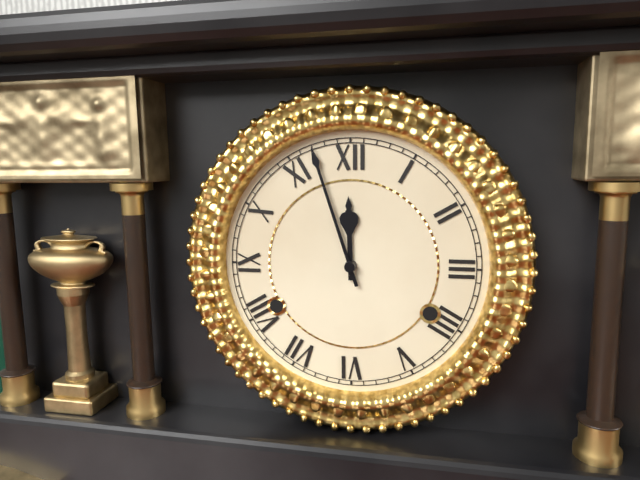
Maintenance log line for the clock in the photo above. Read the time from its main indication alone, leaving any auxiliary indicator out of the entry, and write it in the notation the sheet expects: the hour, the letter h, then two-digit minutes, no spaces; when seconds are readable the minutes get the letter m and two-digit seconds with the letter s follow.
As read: 11h57
